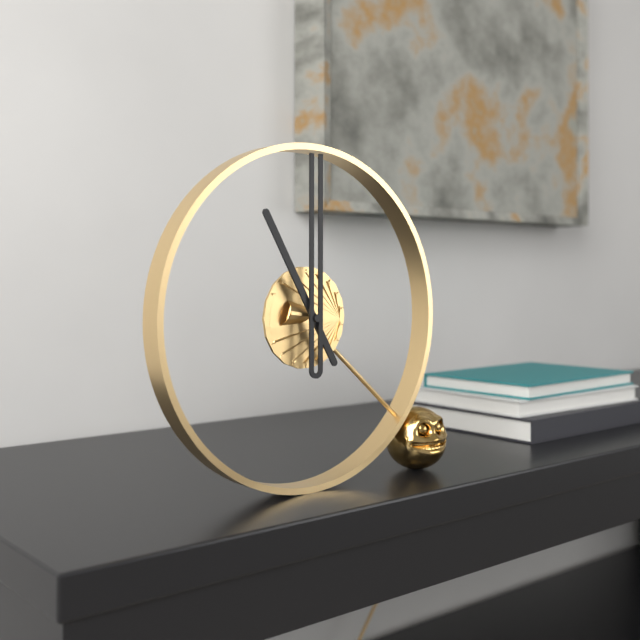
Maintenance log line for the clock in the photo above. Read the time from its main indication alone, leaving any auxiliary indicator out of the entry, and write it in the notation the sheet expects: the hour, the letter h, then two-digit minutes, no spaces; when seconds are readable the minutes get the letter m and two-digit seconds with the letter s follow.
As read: 11h00
